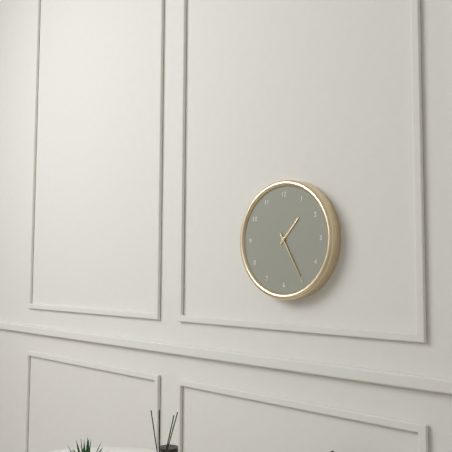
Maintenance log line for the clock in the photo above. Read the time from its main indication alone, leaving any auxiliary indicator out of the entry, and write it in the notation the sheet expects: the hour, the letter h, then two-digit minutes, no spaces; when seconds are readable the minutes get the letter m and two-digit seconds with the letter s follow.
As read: 1h25
